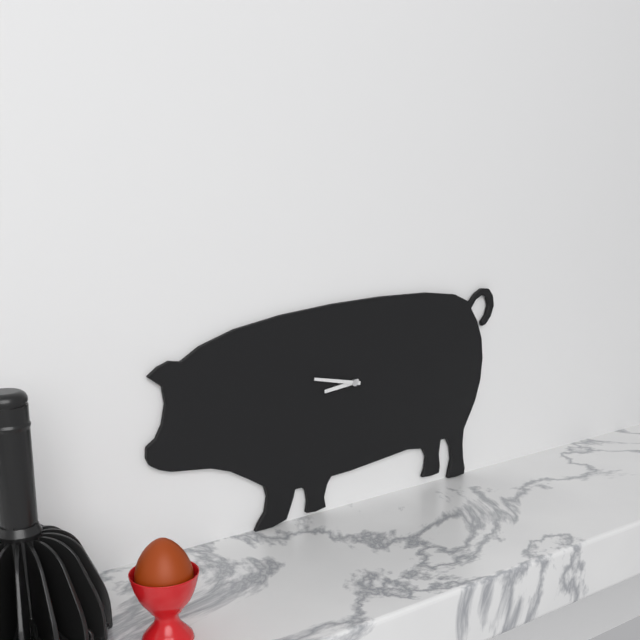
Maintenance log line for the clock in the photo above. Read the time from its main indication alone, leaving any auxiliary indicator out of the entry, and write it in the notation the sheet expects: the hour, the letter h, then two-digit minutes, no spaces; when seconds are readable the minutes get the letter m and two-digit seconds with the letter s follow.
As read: 8h47
